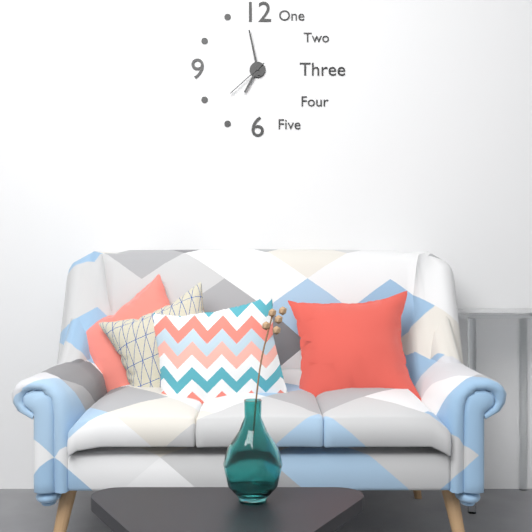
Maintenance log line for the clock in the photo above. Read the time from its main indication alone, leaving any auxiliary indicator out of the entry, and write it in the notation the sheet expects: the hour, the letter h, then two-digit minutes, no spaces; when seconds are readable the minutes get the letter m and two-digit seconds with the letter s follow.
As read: 6h58
